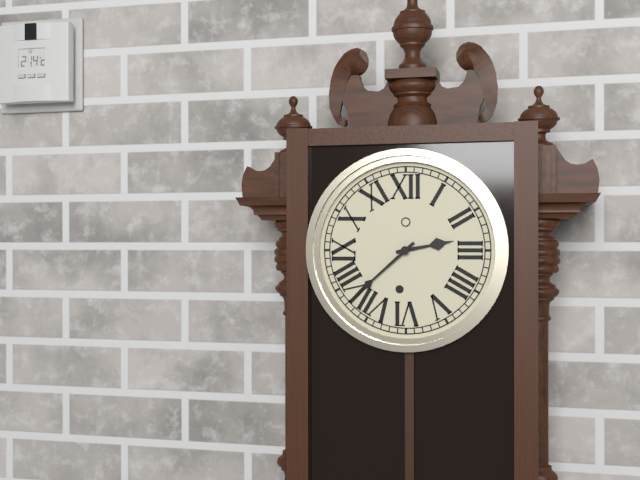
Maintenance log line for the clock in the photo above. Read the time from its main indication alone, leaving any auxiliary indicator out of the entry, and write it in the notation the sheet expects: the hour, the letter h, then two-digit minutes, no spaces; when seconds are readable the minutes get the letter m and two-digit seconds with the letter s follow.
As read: 2h38
